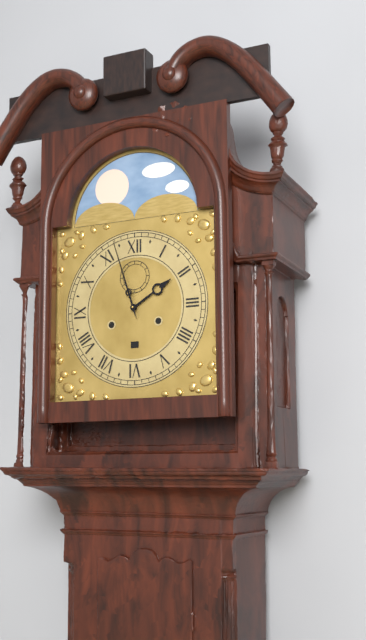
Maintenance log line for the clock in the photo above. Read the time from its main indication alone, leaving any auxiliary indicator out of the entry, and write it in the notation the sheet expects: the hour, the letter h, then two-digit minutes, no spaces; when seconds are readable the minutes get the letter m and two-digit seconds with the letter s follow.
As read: 1h57
